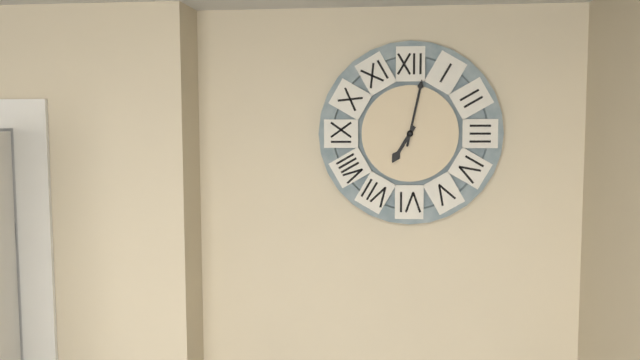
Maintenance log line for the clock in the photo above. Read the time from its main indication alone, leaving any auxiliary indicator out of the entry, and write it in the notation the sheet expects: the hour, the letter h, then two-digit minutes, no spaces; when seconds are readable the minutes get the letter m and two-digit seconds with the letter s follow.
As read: 7h02
